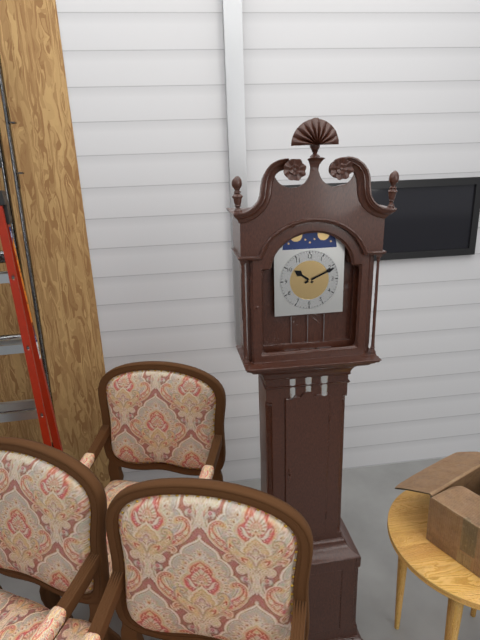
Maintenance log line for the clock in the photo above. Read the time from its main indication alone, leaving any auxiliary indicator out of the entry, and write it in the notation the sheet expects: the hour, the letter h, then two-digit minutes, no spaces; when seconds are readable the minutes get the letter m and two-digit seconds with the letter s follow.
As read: 10h11
